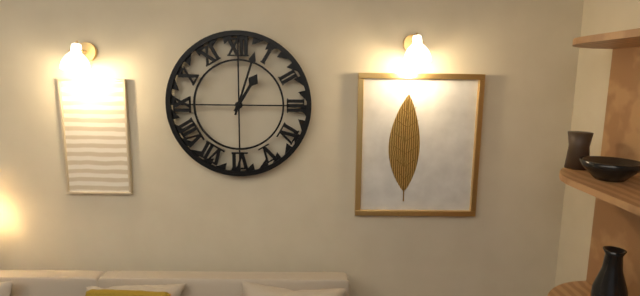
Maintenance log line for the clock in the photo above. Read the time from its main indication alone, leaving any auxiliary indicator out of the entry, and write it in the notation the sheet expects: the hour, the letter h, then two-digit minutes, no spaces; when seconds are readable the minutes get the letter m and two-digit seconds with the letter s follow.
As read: 1h03
